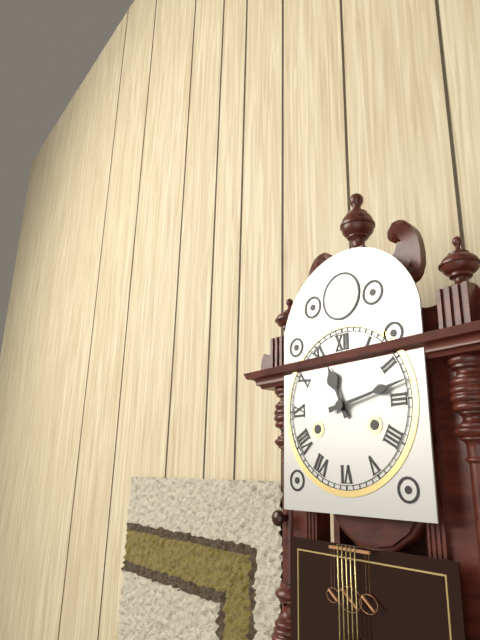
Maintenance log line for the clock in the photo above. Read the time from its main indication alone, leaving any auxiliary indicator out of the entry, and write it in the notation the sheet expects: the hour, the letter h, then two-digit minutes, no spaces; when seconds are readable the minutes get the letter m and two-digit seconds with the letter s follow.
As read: 11h13
